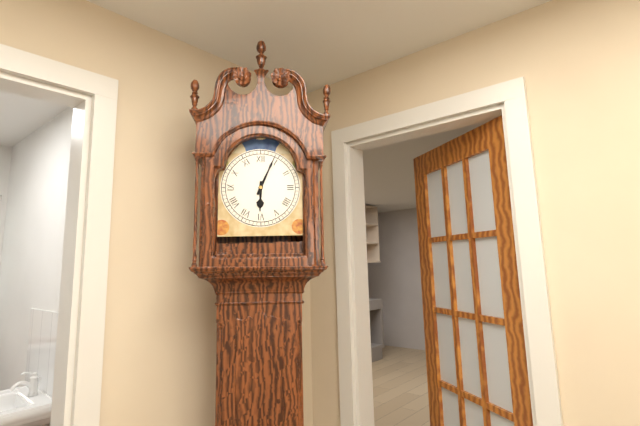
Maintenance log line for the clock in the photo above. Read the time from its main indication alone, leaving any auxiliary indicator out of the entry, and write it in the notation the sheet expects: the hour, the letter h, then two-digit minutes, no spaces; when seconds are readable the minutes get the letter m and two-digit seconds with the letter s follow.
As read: 6h04
